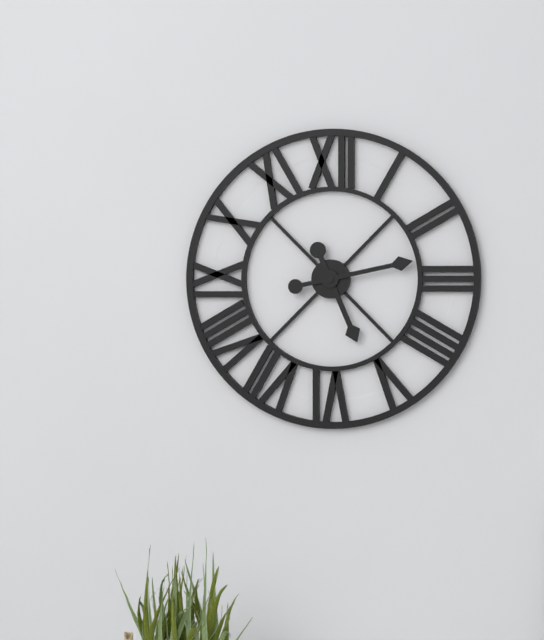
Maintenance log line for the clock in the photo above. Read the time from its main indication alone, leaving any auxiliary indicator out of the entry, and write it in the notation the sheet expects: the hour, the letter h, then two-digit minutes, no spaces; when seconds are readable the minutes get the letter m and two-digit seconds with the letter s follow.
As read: 5h13
